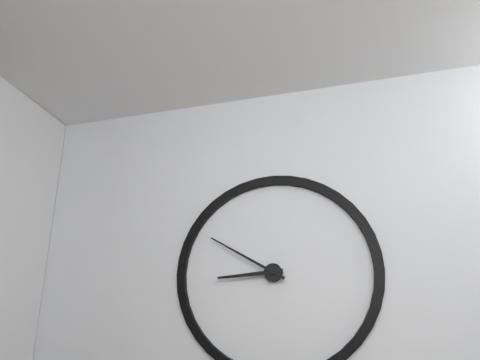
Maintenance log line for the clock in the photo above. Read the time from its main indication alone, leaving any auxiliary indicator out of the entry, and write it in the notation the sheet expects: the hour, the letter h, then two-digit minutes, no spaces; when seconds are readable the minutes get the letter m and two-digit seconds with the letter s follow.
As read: 8h50
